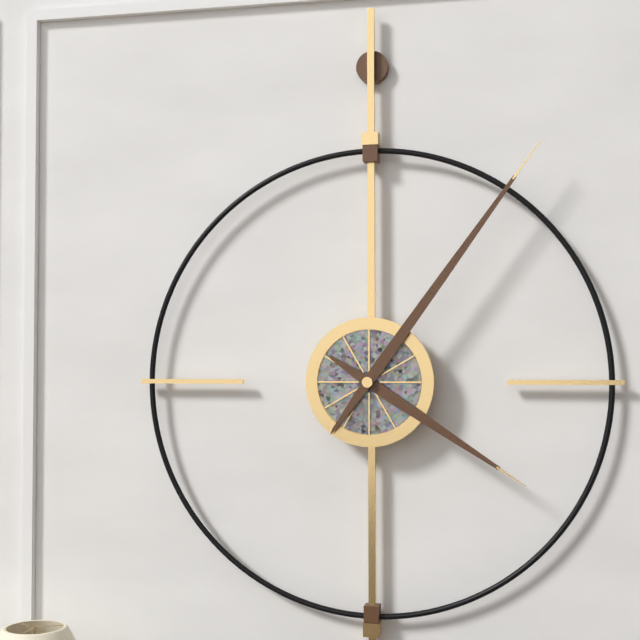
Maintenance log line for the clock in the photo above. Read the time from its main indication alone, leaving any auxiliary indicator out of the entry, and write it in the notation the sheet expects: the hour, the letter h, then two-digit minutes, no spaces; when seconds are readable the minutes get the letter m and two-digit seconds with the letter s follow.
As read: 4h06
